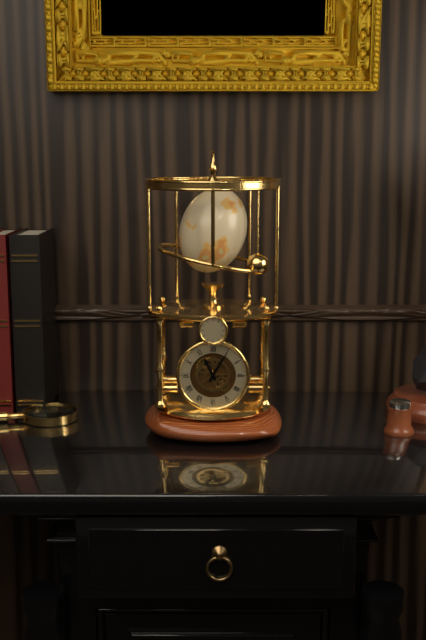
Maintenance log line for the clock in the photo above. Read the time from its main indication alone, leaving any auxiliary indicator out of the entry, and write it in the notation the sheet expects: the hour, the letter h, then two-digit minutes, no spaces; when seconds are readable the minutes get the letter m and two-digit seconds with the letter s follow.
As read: 11h05
